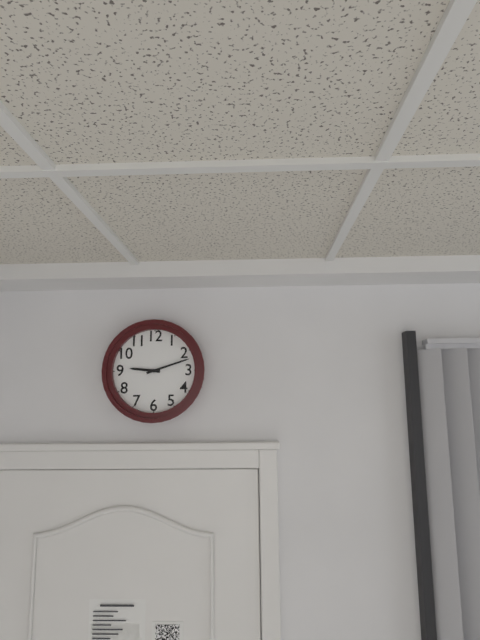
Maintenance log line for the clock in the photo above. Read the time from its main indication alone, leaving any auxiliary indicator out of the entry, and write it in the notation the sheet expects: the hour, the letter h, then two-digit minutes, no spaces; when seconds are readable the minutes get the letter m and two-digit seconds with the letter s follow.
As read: 9h12
